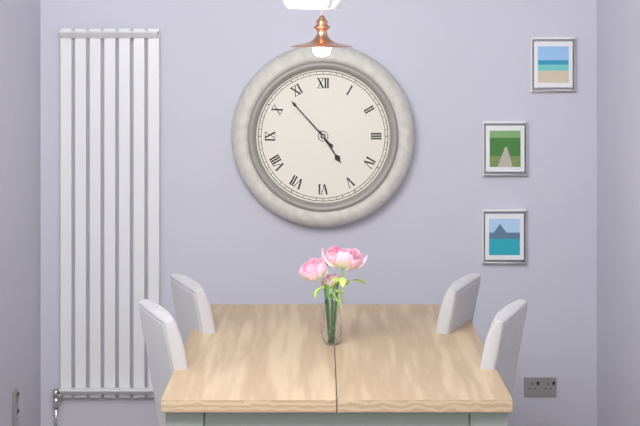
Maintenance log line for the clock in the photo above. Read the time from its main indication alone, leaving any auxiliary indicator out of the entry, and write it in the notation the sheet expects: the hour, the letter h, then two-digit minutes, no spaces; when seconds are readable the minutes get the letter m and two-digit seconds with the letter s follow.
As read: 4h53
